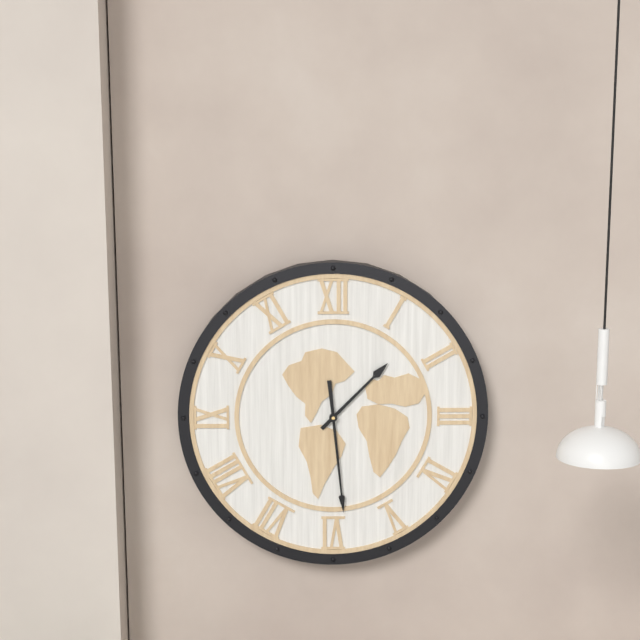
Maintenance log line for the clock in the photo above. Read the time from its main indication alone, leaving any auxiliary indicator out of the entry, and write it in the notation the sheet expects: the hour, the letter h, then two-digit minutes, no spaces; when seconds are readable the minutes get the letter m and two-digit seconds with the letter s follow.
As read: 1h29
